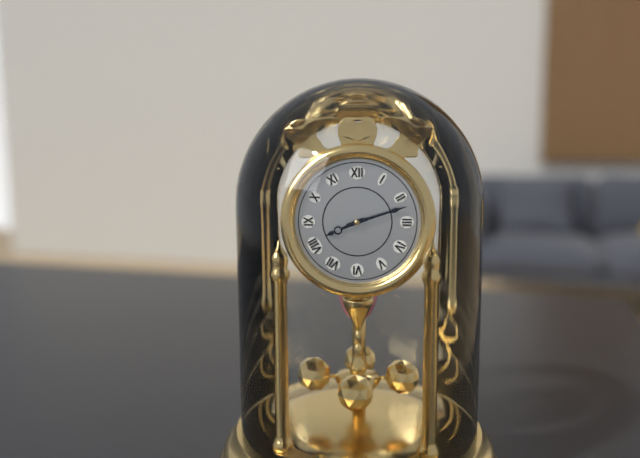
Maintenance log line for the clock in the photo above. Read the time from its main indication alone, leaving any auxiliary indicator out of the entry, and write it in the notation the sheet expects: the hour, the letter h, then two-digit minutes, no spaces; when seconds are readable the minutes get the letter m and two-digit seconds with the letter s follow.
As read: 8h12
